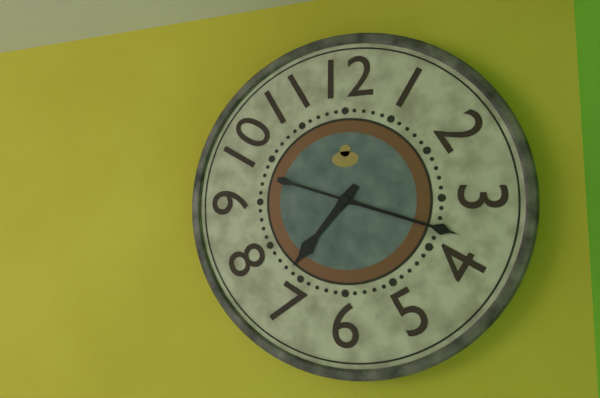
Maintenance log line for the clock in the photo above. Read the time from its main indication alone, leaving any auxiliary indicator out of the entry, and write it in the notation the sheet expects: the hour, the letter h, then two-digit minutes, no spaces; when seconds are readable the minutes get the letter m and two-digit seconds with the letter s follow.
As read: 7h18
